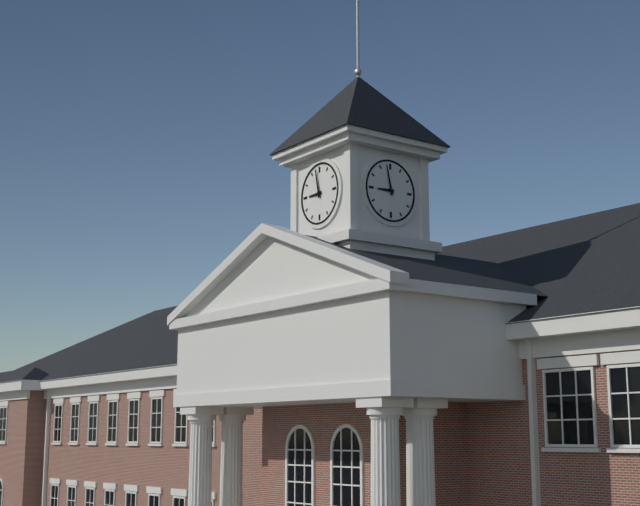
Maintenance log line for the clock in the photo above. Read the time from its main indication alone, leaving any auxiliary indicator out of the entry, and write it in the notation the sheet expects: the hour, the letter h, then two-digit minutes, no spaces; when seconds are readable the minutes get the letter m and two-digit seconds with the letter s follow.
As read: 8h58
